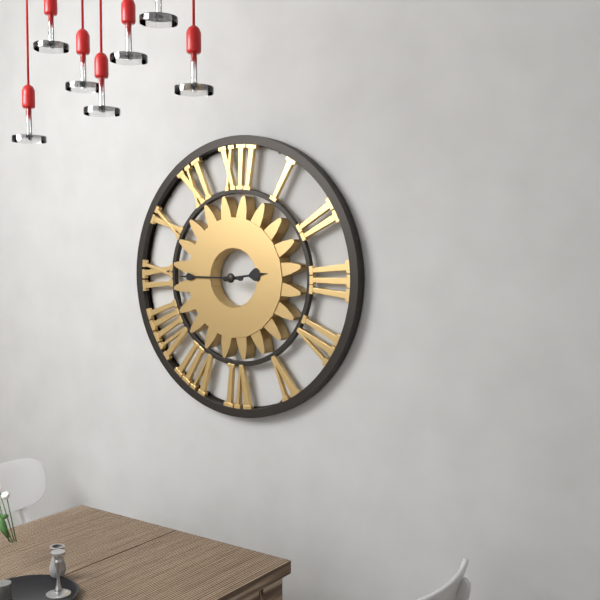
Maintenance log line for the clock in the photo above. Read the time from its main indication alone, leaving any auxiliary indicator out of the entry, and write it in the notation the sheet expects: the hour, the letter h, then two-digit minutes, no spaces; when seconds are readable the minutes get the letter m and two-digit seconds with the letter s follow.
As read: 2h45
